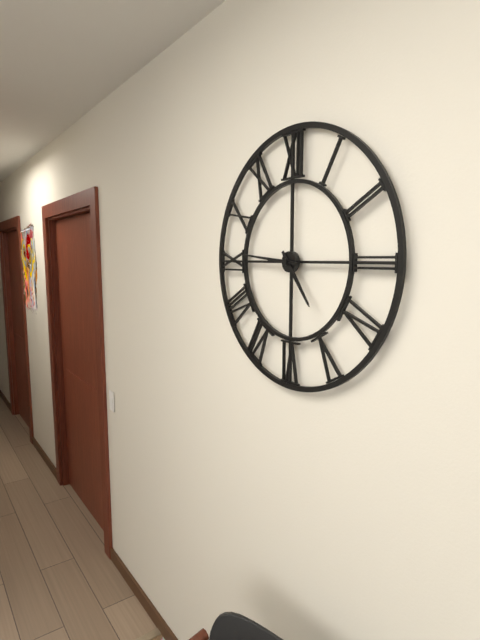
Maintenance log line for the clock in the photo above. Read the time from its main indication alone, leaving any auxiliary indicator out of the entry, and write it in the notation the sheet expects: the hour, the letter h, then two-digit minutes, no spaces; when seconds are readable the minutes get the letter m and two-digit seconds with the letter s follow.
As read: 4h46
